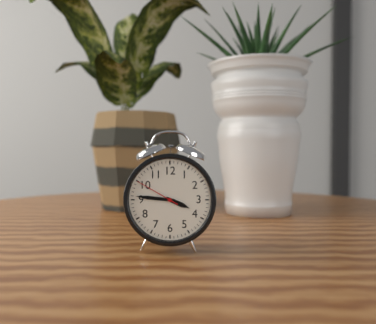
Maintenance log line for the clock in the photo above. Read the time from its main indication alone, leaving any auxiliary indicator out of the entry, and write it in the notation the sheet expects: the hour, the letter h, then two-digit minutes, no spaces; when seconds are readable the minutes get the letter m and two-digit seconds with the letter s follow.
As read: 3h46
